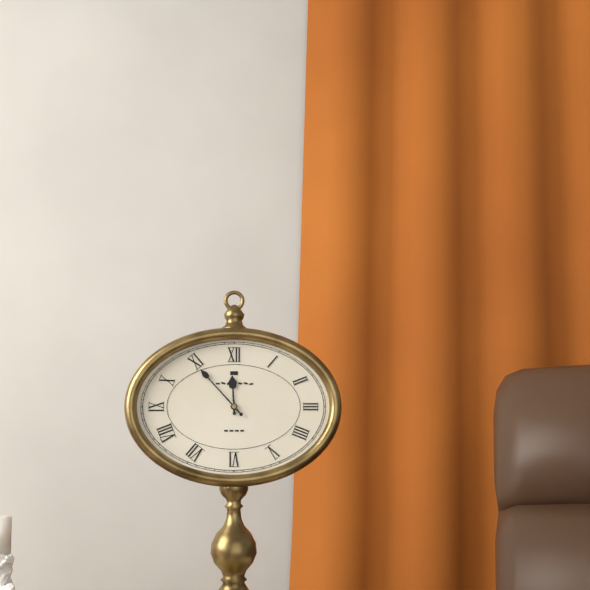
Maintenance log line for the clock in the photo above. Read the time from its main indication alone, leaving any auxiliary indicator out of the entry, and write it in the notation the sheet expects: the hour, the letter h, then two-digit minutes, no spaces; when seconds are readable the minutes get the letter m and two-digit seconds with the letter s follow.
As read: 11h53
